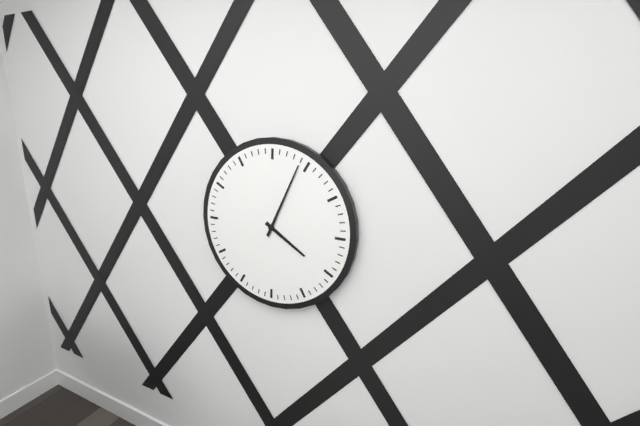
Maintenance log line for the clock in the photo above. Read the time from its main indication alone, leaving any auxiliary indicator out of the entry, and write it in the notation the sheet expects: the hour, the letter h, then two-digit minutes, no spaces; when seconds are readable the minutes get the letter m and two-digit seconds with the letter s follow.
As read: 4h04
